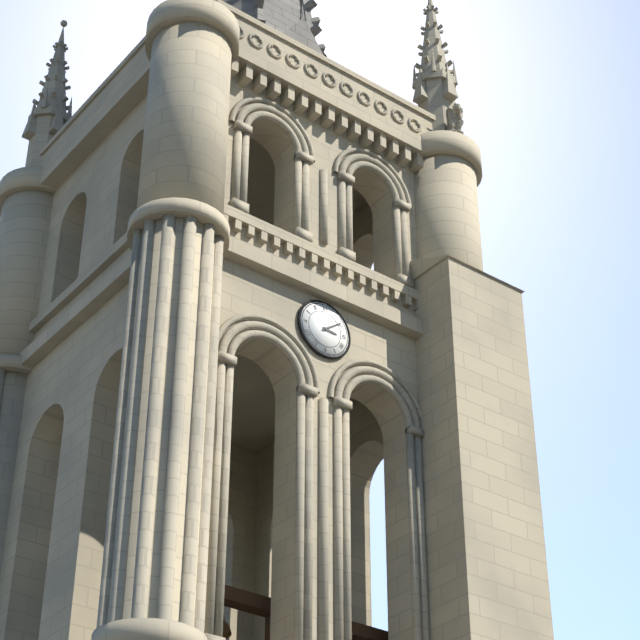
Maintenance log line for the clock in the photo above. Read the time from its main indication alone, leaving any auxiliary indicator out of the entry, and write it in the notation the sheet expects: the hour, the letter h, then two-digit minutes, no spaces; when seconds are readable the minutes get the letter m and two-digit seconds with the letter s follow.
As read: 3h09
